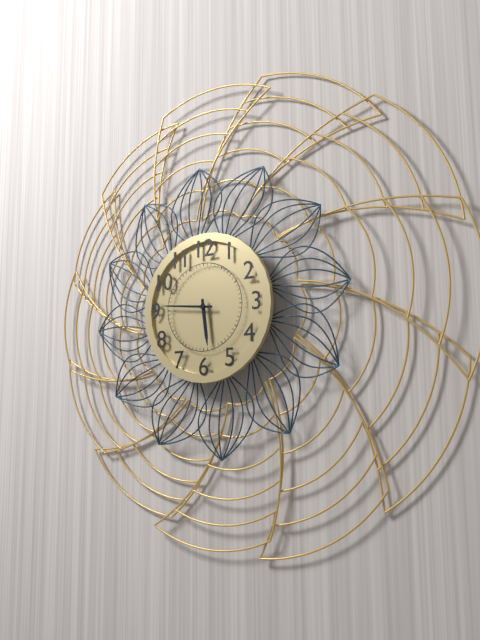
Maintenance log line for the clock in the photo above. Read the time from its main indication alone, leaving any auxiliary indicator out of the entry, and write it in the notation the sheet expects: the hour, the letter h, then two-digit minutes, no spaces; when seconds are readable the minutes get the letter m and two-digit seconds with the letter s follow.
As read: 5h46
